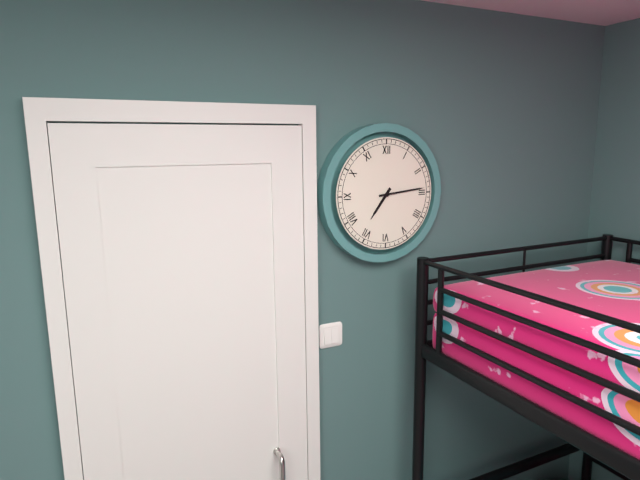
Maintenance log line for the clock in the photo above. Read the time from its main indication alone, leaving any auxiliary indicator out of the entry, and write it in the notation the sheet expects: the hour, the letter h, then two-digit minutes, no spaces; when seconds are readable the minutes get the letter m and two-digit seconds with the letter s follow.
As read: 7h14
